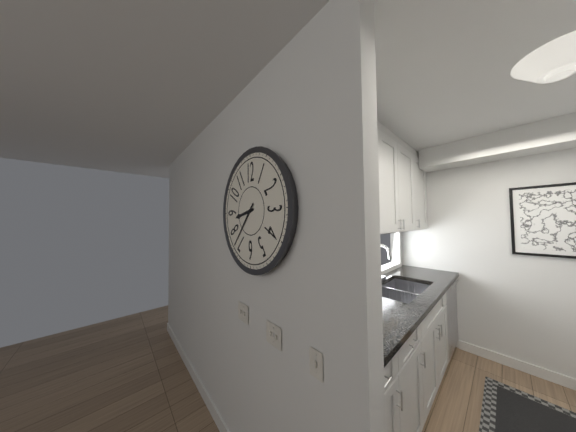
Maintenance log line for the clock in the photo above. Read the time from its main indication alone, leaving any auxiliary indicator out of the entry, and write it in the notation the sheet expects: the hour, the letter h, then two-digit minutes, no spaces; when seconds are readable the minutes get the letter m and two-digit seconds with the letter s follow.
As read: 8h37
